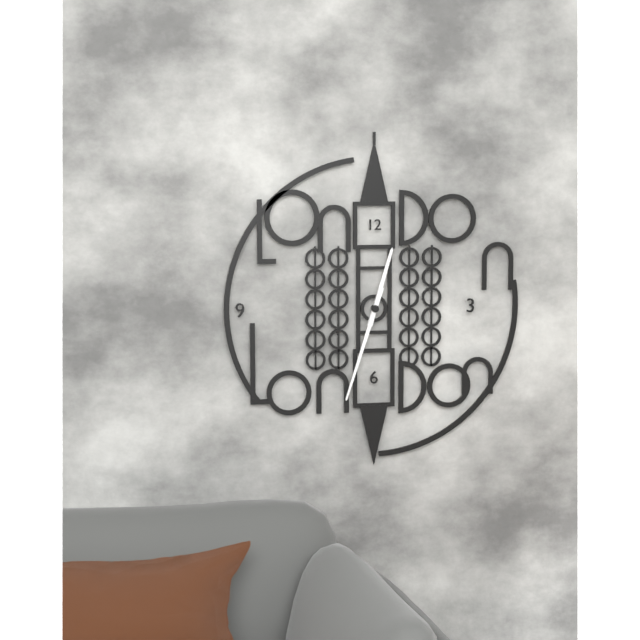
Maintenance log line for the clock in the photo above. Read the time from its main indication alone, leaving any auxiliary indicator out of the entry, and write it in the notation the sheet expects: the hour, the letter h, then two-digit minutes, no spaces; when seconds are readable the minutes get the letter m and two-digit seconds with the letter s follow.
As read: 12h33
